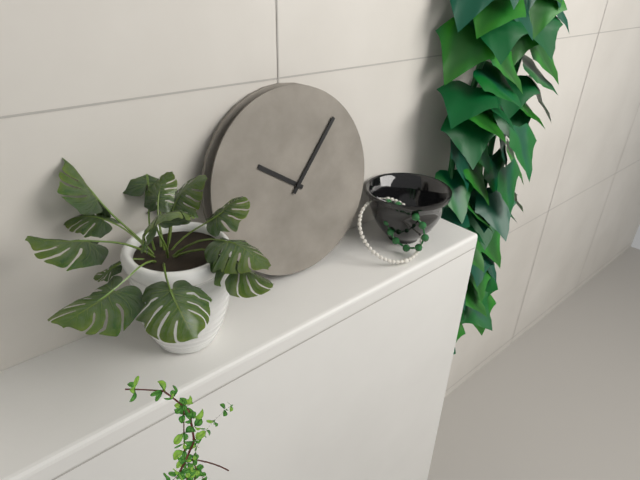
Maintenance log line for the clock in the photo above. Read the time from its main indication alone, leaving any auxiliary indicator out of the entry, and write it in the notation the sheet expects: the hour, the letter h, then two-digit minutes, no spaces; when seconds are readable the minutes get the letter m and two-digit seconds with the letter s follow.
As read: 10h07
